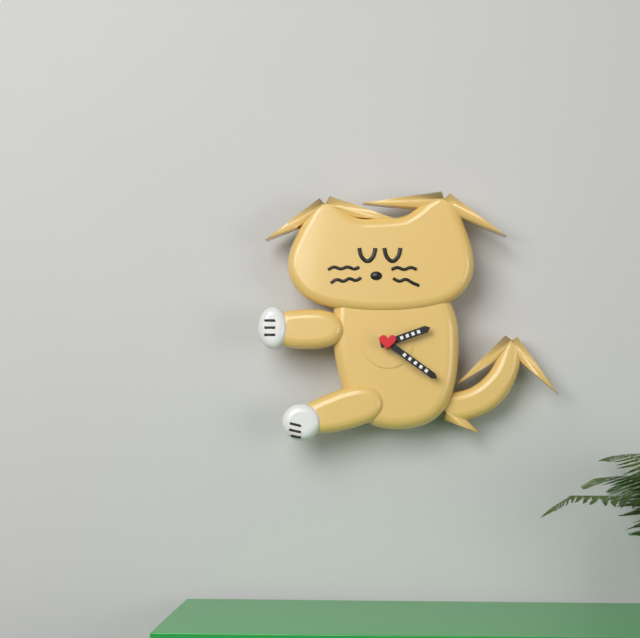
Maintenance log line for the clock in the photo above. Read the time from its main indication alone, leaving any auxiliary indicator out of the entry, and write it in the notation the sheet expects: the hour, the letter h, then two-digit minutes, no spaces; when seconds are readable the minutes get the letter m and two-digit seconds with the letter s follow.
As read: 2h21
